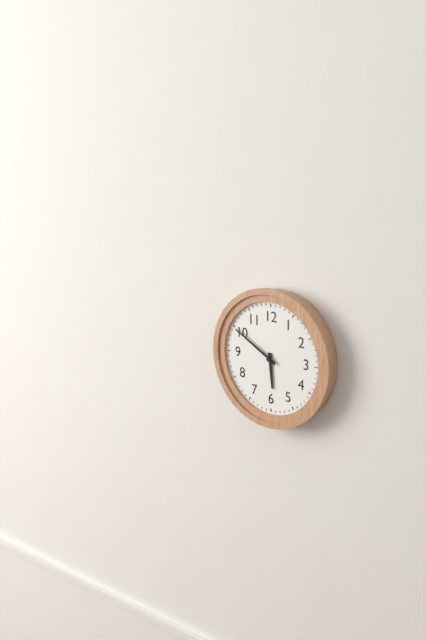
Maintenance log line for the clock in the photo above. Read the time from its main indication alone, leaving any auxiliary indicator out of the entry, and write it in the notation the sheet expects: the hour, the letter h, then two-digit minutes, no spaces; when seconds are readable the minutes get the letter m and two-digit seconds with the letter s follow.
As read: 5h50
